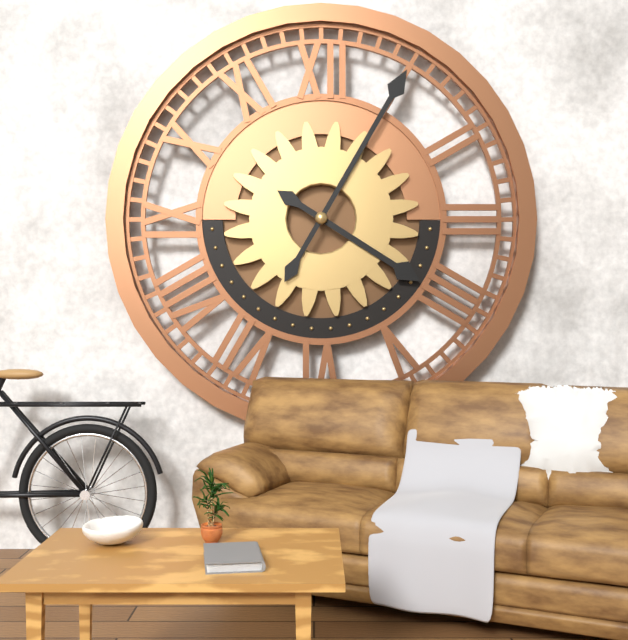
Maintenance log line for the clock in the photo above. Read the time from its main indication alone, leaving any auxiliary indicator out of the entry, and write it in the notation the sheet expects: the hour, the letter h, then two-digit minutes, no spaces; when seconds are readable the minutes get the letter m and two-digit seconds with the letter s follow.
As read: 4h05
